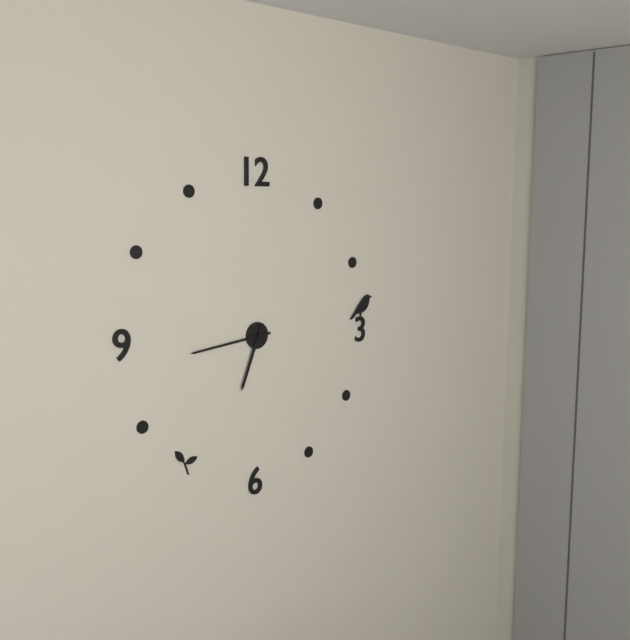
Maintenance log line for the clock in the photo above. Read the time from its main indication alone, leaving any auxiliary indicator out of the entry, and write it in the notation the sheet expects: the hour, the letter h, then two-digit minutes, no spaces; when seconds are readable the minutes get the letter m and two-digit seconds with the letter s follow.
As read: 6h44
